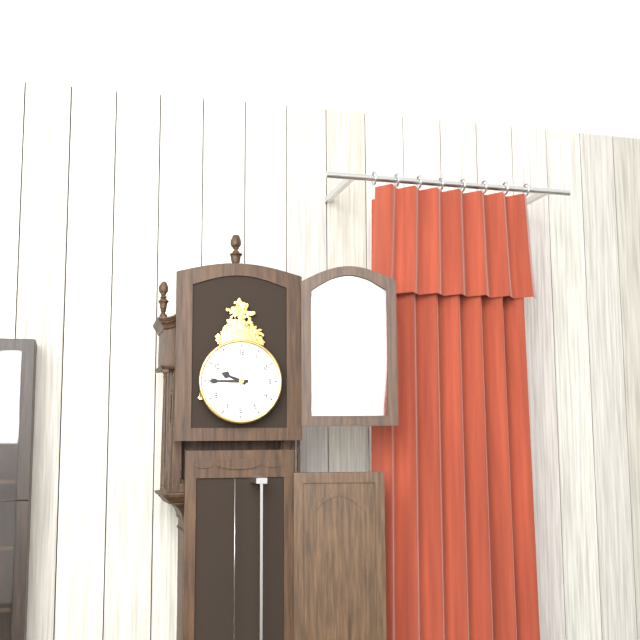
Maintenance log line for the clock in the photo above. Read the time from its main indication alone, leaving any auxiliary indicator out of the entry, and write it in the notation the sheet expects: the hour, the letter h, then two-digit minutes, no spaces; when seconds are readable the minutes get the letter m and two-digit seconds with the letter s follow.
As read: 9h45
